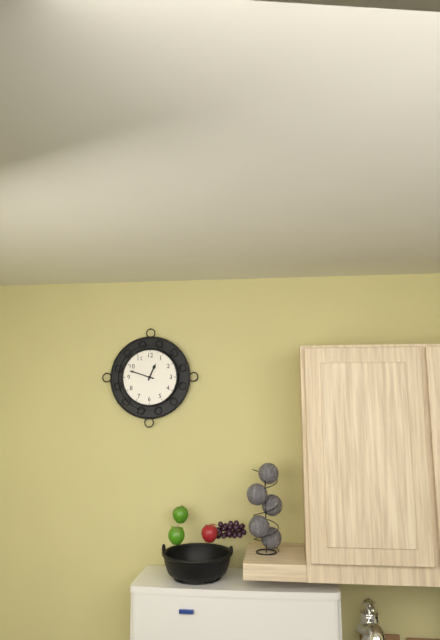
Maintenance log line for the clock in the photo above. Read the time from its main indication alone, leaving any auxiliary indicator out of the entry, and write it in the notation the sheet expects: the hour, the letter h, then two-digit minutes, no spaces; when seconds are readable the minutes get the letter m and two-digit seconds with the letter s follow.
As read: 12h48
